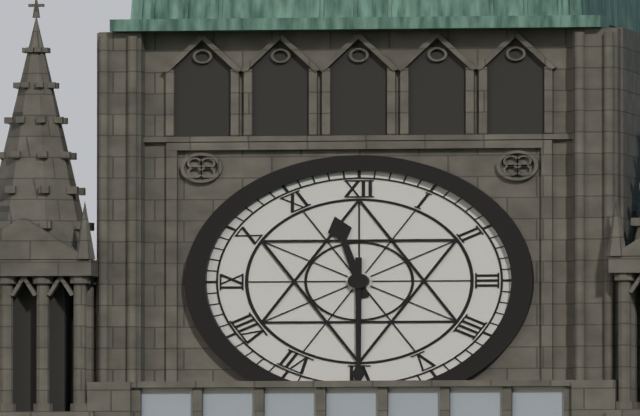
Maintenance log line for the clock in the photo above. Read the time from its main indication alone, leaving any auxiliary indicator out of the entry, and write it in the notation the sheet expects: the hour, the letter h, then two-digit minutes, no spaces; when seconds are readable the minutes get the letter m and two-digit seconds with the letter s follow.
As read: 11h30
